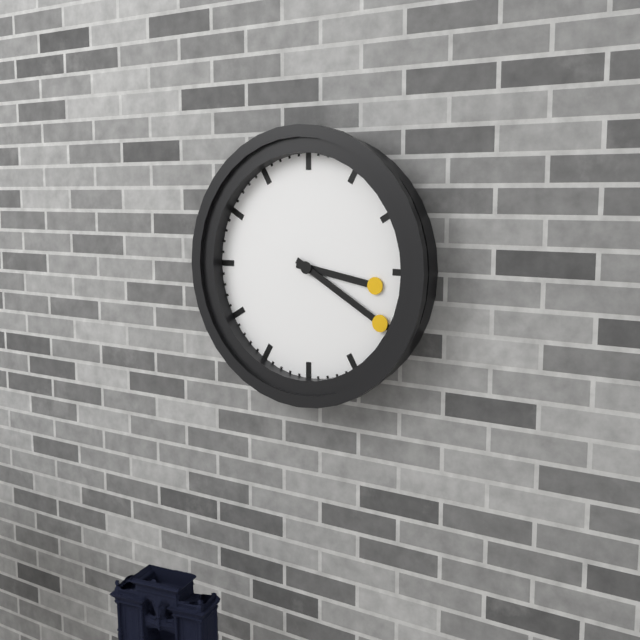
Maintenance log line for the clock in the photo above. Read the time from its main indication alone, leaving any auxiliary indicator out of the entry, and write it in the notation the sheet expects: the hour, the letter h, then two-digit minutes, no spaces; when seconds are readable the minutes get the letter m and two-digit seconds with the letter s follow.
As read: 3h20
